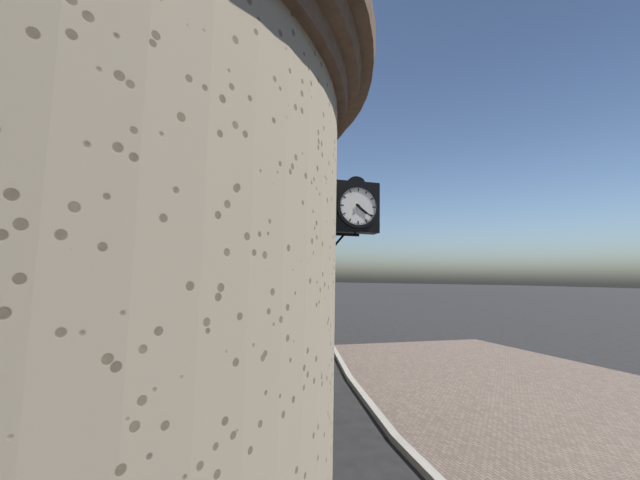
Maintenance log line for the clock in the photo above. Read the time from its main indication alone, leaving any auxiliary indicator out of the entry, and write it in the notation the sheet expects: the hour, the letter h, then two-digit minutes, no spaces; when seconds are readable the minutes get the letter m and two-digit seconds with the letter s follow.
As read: 4h21
